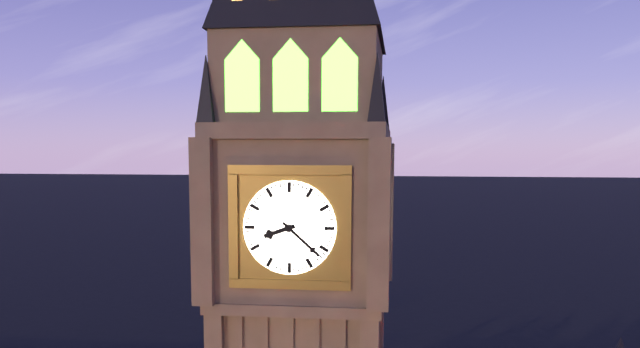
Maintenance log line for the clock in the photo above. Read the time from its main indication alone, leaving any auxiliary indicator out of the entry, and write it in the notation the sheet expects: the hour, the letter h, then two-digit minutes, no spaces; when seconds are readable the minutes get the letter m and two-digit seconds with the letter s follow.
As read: 8h22
